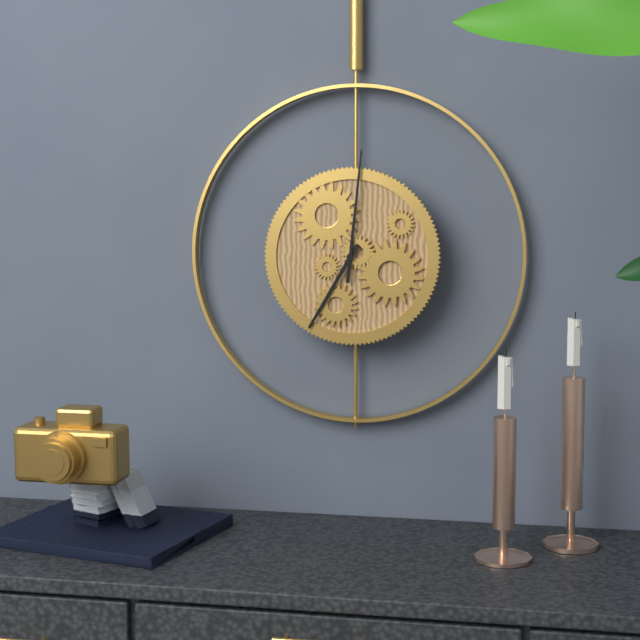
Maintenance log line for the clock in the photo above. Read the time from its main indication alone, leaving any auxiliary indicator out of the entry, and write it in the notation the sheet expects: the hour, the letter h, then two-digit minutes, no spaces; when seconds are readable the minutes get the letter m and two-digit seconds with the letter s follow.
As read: 7h01
